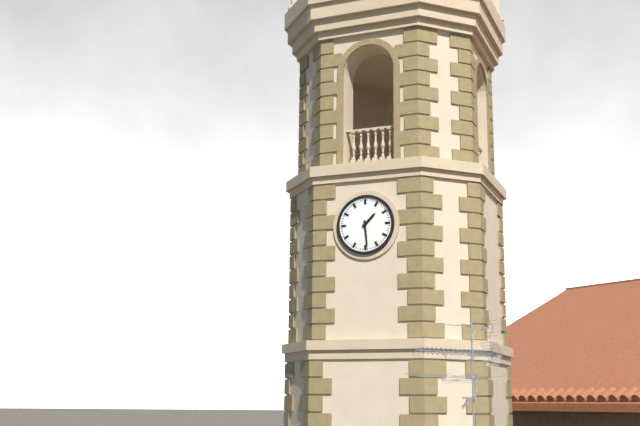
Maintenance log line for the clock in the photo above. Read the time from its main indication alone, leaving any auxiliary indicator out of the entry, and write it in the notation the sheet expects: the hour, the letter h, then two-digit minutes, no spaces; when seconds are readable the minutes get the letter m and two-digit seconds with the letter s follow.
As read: 1h29
